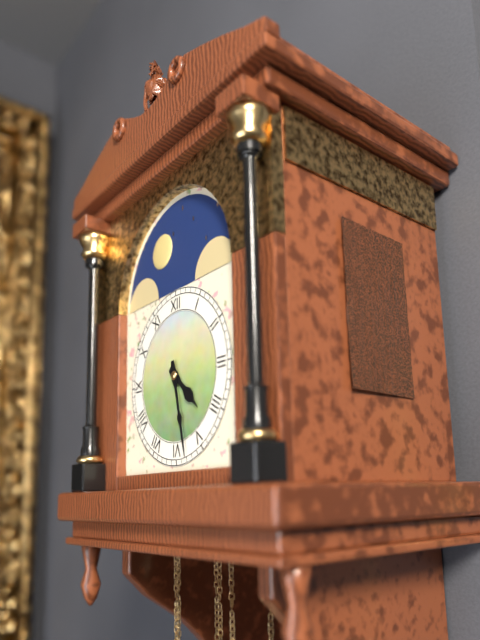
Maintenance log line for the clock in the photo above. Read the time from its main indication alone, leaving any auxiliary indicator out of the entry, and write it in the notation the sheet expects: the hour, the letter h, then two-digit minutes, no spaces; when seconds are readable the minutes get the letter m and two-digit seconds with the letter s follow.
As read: 4h28
